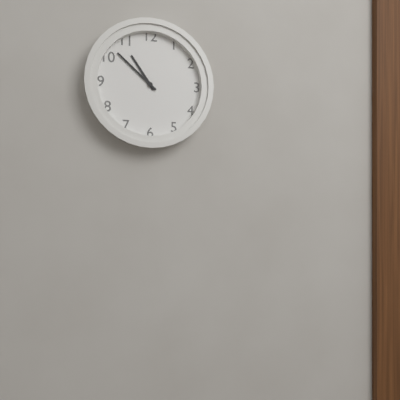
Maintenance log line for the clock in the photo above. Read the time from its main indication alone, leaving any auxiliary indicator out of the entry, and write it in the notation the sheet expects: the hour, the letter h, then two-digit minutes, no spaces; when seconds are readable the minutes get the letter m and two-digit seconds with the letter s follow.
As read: 10h52
